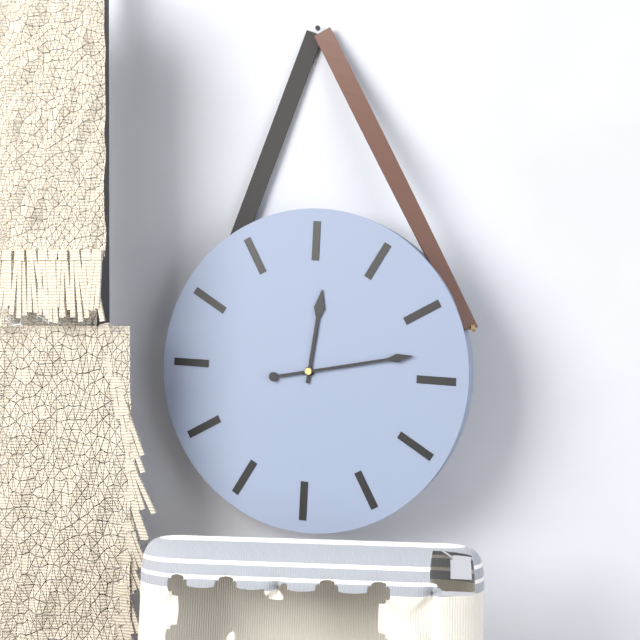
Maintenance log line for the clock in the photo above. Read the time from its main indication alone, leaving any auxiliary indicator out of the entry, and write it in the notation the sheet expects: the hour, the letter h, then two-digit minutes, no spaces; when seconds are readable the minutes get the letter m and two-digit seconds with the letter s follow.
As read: 12h13
